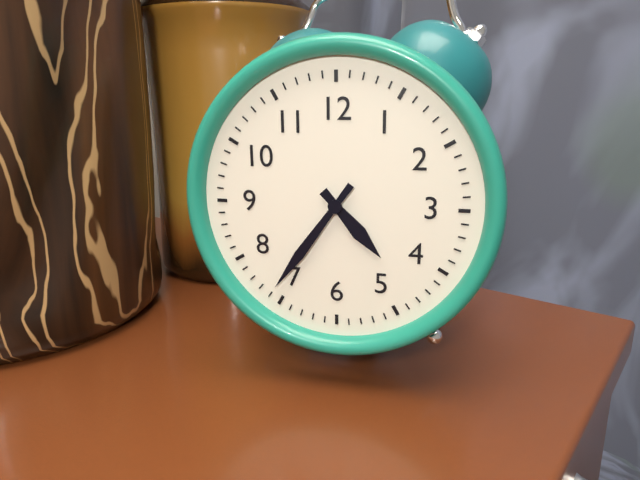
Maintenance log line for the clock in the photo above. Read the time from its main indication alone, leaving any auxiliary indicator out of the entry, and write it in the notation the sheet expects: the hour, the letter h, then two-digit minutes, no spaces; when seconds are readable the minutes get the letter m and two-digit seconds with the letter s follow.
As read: 4h36
